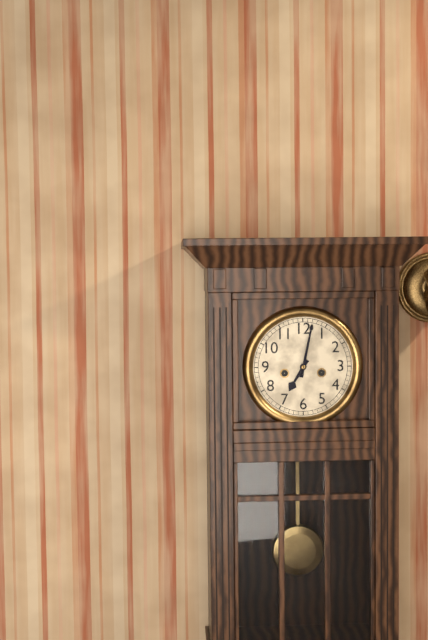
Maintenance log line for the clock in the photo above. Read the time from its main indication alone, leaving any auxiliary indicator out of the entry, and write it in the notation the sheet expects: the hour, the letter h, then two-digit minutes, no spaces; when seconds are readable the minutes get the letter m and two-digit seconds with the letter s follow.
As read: 7h02
